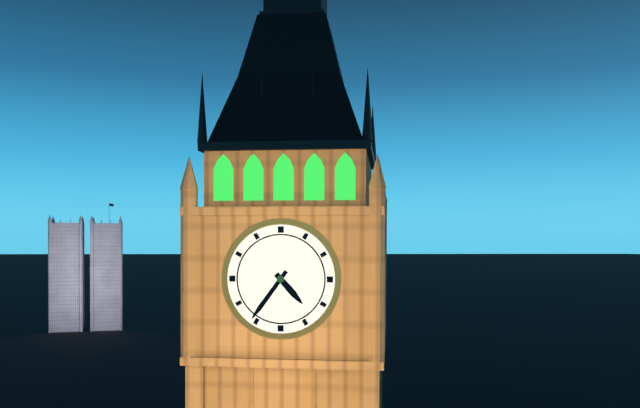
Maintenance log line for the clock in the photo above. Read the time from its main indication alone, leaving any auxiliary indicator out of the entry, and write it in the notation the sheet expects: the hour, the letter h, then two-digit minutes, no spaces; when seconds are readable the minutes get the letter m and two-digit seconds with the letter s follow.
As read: 4h36
